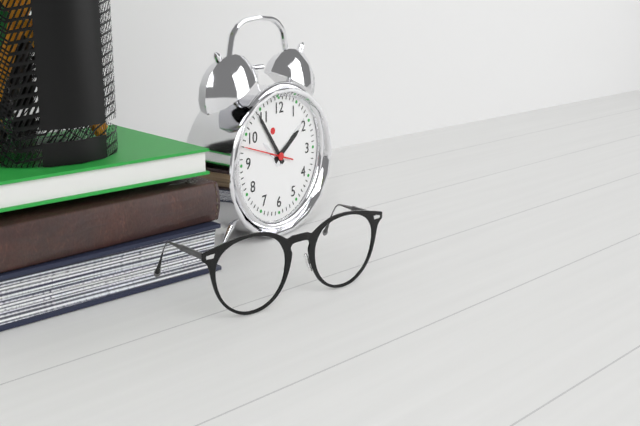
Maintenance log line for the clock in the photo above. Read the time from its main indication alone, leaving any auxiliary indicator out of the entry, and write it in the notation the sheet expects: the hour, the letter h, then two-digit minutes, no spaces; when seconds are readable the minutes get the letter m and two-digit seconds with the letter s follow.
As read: 1h54
